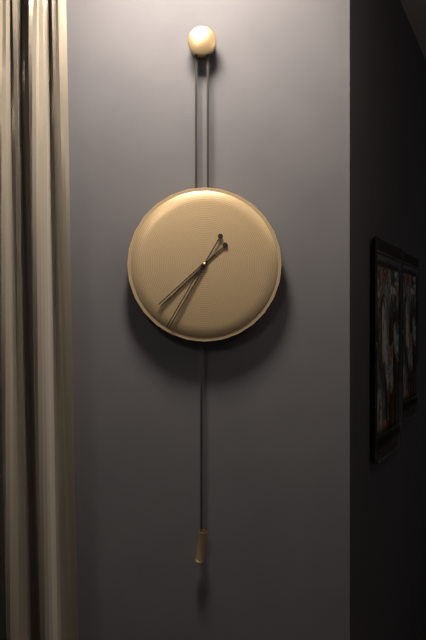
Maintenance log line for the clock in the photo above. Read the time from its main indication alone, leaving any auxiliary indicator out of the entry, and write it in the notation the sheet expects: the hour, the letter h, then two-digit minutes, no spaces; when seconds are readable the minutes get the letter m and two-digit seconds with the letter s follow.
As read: 7h35
